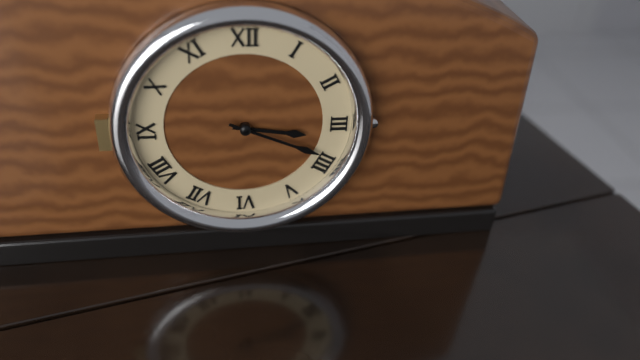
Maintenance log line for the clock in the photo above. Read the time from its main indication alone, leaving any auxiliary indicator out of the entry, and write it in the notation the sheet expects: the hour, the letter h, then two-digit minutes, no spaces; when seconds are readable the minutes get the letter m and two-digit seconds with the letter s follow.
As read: 3h19
